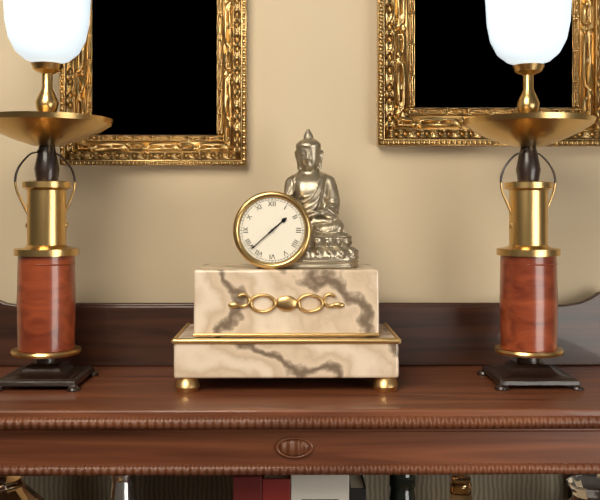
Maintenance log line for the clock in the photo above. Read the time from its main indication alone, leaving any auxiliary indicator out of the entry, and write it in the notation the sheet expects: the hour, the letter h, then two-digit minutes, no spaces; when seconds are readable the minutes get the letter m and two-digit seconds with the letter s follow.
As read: 1h38
